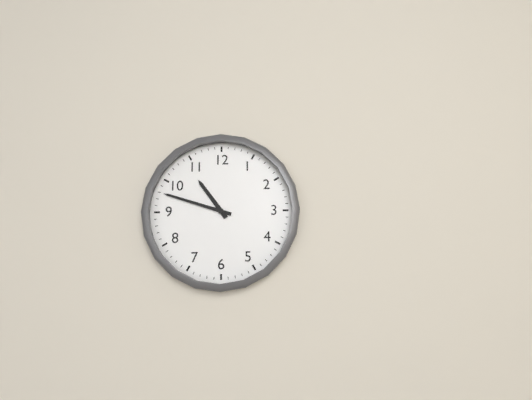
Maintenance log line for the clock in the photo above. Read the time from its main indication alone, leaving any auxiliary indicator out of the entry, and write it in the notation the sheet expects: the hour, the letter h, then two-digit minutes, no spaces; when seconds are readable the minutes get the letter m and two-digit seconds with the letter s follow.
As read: 10h48
